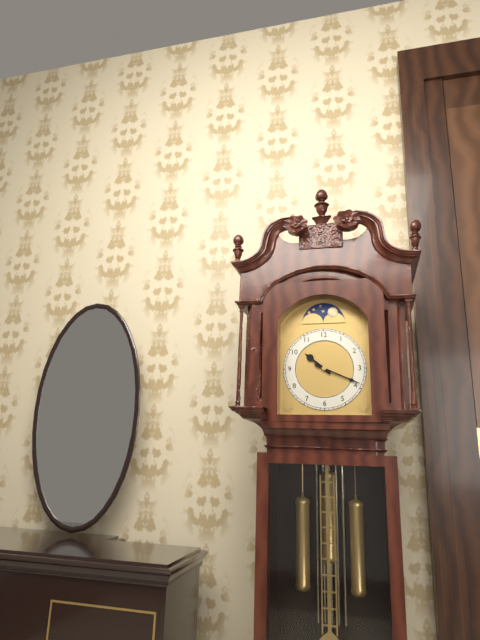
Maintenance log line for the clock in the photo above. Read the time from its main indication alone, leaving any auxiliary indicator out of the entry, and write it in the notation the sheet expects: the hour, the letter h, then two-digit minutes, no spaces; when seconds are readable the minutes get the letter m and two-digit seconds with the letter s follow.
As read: 10h19
